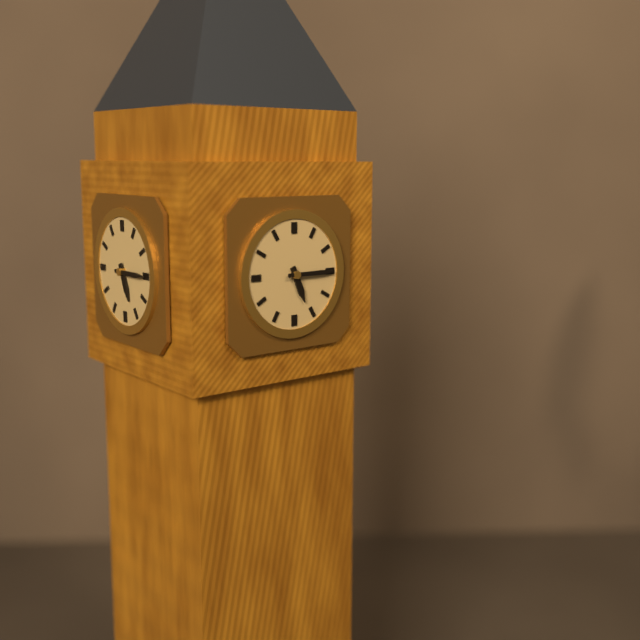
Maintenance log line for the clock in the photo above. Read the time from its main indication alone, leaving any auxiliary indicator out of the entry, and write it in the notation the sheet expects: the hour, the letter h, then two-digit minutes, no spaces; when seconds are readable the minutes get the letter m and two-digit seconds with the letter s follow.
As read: 5h15
